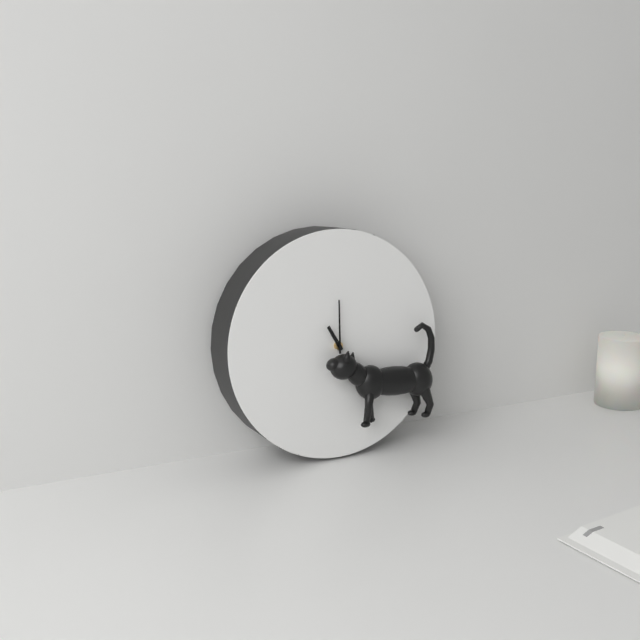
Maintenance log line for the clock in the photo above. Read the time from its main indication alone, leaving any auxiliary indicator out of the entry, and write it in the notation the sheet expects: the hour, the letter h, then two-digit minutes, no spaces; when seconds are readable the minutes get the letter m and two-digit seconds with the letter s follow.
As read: 11h00
